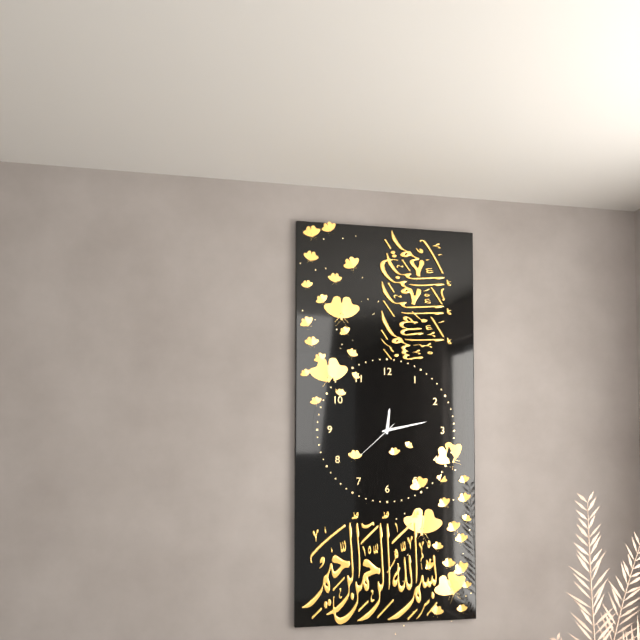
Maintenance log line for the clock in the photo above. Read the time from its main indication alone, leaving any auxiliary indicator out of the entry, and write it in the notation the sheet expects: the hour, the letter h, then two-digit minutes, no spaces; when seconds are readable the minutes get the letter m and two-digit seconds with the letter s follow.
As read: 12h13
